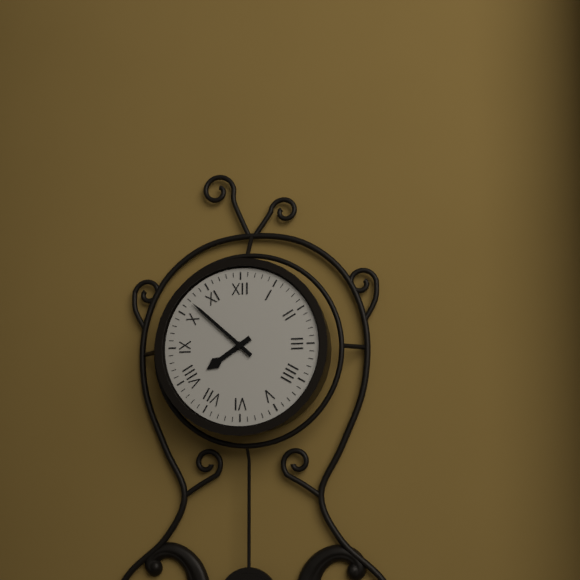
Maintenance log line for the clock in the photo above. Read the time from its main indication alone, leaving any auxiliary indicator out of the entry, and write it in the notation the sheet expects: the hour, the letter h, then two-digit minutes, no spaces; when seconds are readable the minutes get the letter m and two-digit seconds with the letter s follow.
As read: 7h52
